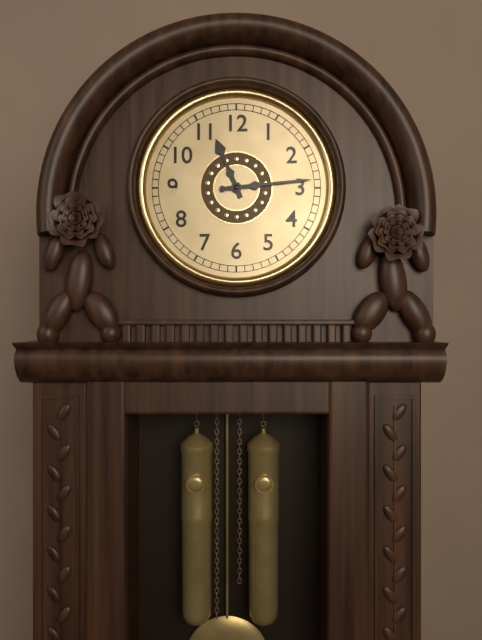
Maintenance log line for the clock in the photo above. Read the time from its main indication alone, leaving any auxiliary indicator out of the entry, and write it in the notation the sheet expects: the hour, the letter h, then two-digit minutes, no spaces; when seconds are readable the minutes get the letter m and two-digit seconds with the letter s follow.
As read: 11h14
